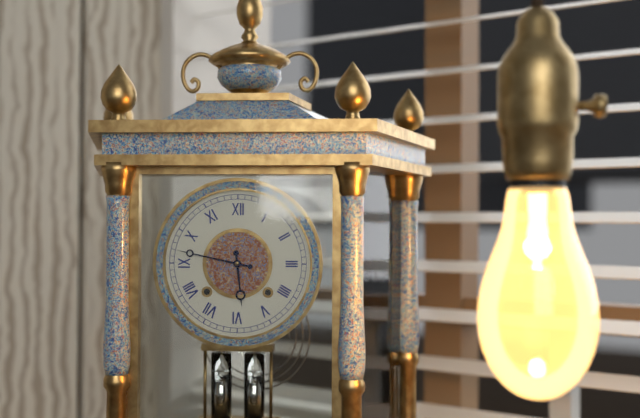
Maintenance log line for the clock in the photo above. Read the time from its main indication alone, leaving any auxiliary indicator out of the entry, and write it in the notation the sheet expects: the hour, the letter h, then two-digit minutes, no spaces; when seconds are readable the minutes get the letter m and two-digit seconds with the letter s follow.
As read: 5h47
